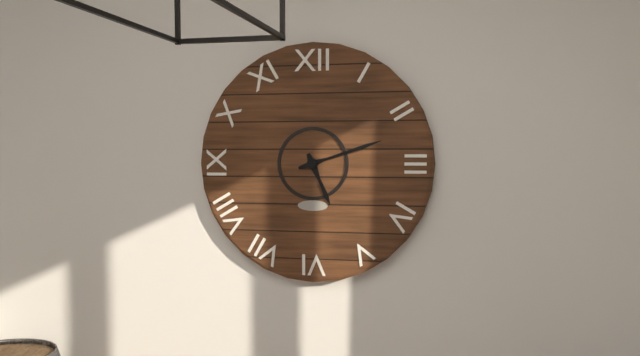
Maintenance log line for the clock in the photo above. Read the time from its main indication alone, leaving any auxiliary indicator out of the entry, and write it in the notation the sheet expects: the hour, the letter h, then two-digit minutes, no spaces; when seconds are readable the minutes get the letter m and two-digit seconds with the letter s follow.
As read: 5h12
